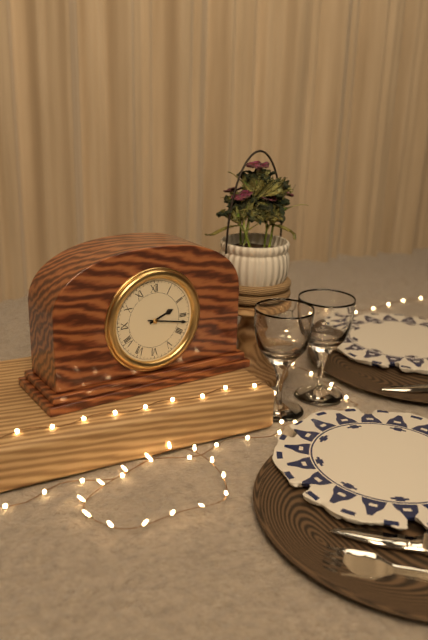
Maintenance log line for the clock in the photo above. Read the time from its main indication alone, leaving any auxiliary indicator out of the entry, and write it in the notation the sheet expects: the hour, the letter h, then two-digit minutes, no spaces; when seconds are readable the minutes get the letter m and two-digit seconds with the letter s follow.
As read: 2h17
